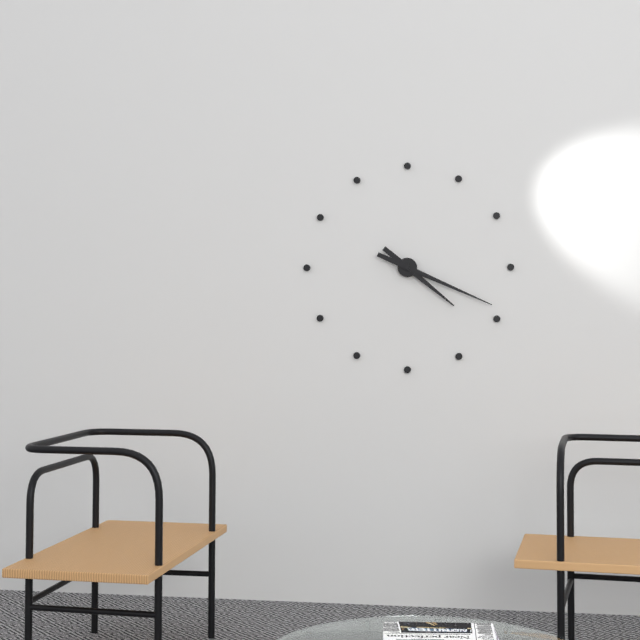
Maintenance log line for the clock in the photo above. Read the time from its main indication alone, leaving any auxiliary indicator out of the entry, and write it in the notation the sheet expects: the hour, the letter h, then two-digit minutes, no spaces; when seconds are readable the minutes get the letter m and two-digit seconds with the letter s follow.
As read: 4h19
